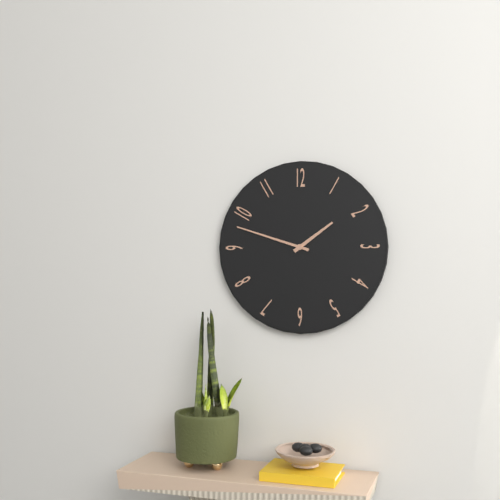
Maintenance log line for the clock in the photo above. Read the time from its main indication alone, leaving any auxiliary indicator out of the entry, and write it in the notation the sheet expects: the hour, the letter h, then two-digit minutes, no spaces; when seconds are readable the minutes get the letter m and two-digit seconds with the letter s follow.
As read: 1h48
